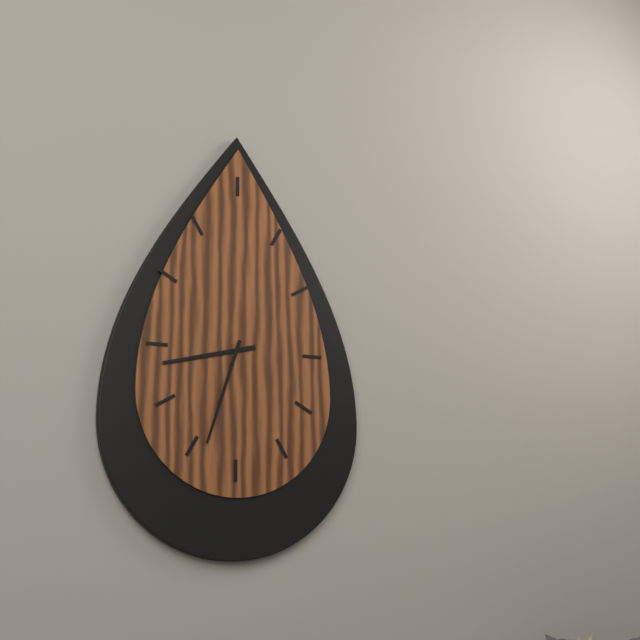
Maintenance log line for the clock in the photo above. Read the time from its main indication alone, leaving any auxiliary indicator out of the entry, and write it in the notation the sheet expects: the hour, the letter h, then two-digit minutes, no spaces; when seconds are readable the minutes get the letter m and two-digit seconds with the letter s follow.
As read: 8h33
